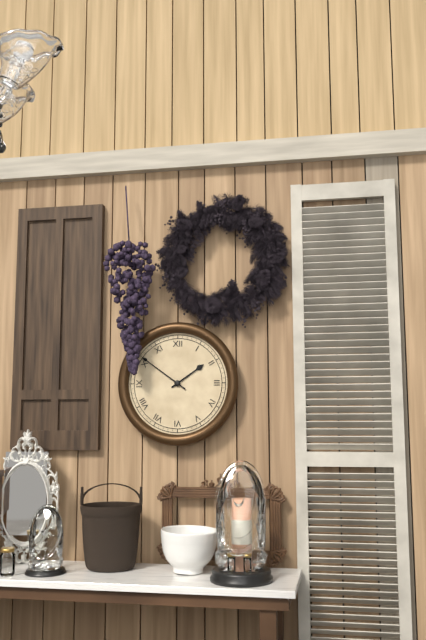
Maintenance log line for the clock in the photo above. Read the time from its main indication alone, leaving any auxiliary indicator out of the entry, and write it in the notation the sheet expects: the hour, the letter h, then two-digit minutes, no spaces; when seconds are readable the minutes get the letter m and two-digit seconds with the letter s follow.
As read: 1h51
